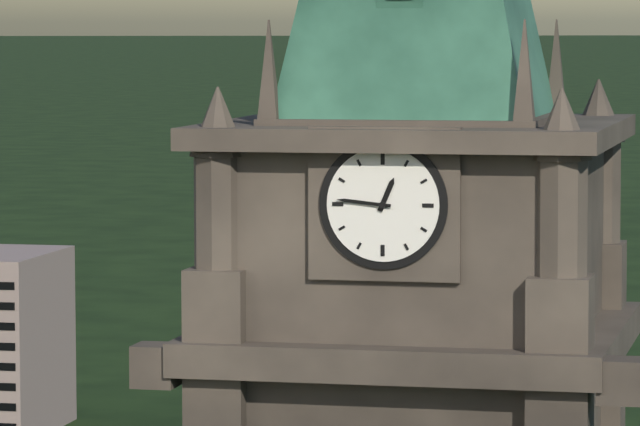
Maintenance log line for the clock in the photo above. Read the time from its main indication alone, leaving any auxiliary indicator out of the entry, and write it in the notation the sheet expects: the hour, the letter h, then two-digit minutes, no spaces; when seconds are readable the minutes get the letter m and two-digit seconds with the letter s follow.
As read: 12h46
